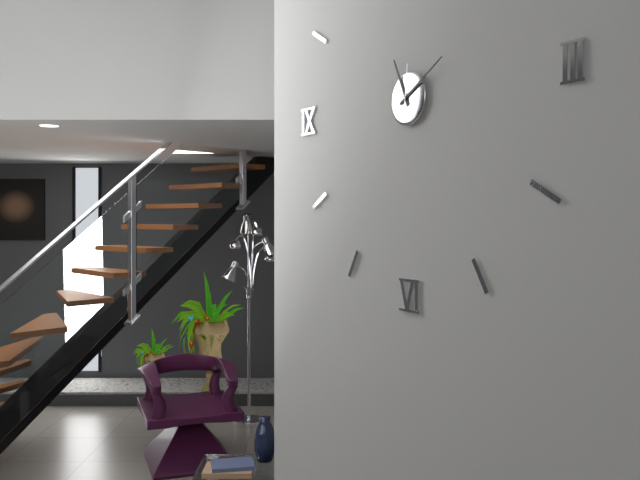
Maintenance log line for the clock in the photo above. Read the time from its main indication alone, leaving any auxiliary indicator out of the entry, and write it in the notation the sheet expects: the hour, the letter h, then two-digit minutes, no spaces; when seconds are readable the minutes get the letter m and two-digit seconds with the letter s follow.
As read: 11h10
